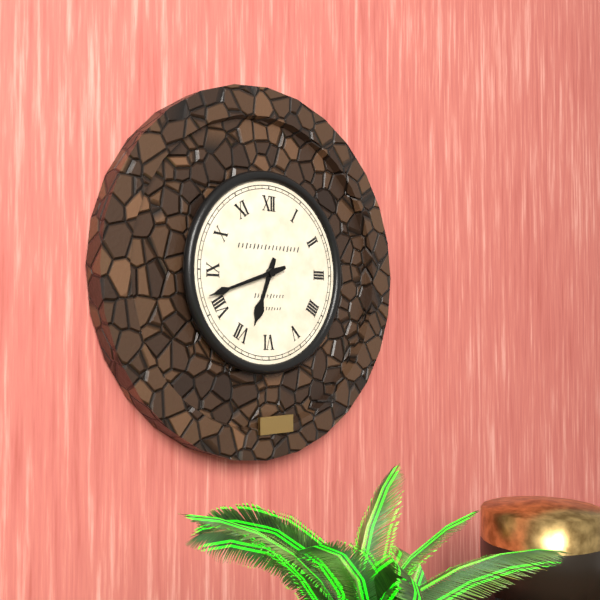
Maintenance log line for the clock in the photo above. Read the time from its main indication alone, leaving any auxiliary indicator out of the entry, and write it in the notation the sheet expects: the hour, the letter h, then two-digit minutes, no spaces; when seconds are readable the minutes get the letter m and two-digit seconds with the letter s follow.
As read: 6h42
